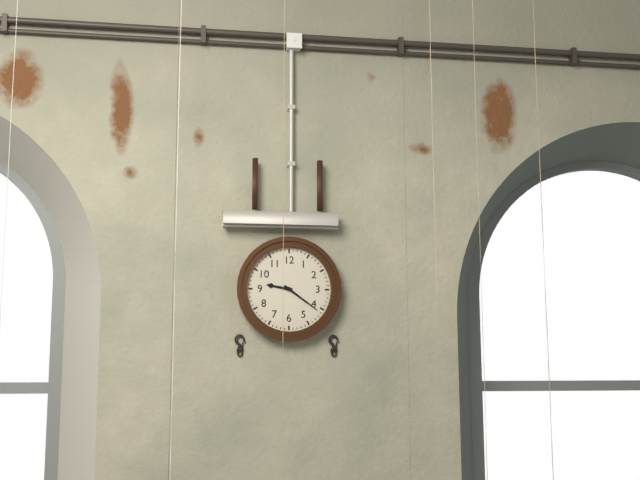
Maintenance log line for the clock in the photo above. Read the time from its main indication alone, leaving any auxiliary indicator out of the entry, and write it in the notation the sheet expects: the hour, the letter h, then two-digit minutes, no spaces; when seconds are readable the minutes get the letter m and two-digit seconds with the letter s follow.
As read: 9h21
